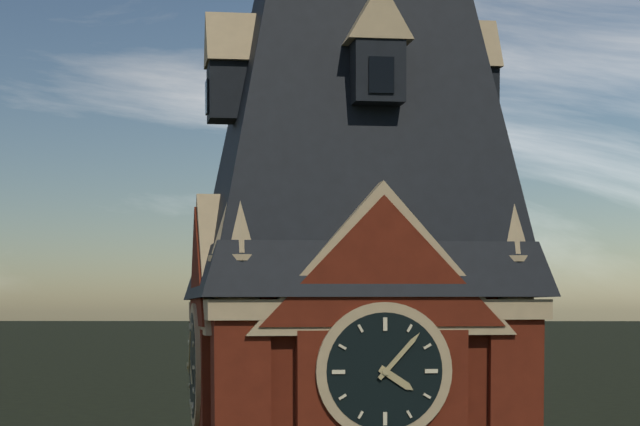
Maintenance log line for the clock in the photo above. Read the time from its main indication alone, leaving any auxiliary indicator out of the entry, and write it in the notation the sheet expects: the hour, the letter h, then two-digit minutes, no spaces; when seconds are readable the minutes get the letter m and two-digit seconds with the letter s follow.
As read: 4h07
